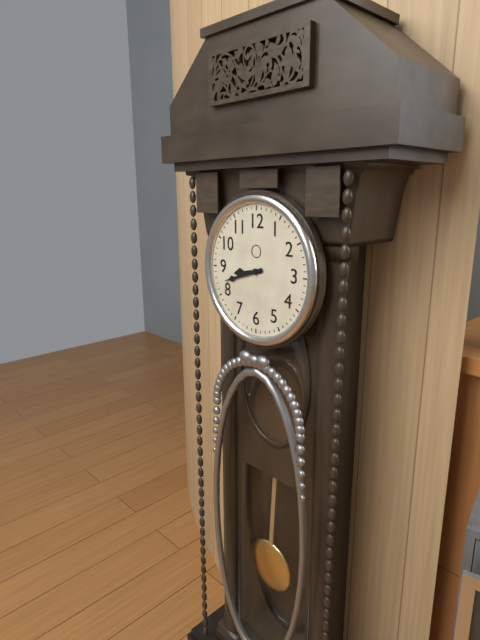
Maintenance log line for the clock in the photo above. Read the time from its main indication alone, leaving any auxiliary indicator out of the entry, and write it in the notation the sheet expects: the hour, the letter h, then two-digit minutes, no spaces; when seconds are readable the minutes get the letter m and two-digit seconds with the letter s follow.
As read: 8h42
